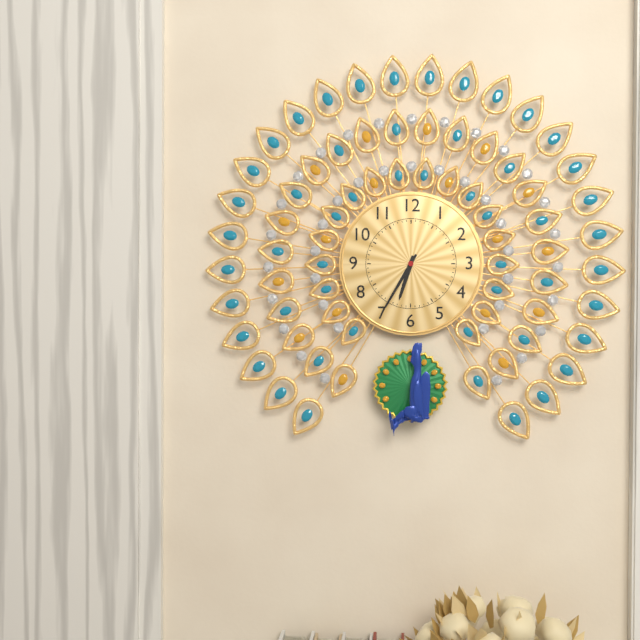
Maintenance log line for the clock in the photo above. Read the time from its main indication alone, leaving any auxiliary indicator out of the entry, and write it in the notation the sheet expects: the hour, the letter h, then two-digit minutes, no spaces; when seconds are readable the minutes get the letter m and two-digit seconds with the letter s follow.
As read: 6h35
